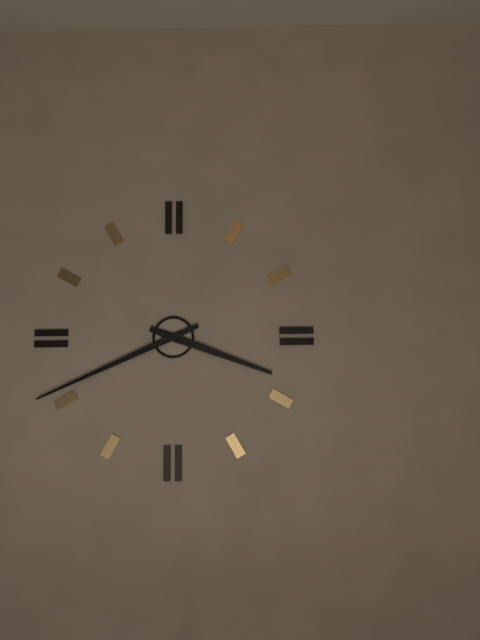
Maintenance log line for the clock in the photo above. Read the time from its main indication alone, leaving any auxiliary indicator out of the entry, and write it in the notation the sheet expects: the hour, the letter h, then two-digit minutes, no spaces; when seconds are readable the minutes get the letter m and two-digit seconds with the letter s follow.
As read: 3h41
